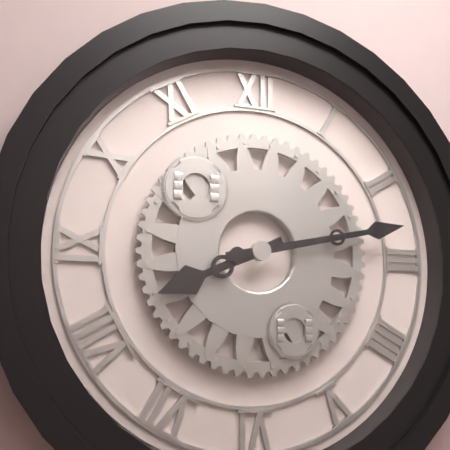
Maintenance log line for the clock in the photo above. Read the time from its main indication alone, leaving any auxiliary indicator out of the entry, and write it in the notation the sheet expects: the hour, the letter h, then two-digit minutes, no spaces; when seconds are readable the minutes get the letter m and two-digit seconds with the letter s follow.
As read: 8h13
